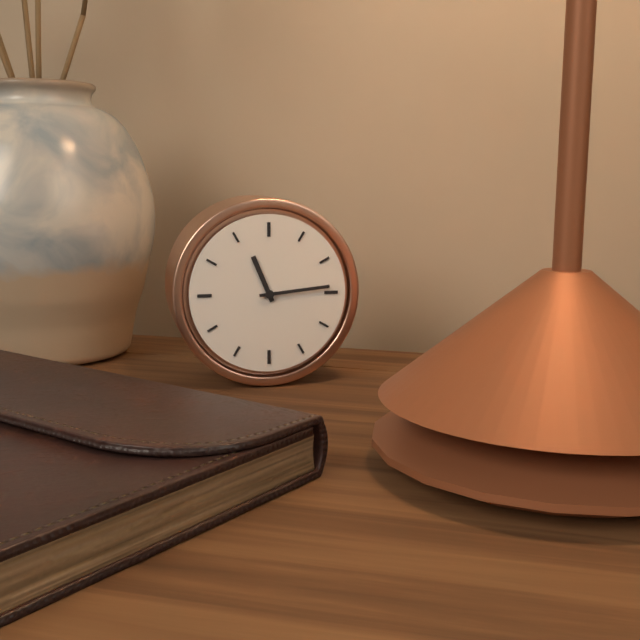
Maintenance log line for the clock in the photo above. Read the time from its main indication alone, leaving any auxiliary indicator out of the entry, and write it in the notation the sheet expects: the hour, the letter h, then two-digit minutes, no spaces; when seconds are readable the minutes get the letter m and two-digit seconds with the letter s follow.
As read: 11h14
